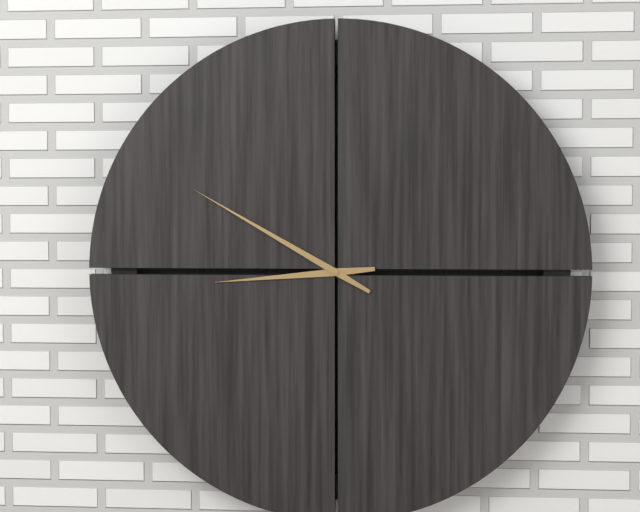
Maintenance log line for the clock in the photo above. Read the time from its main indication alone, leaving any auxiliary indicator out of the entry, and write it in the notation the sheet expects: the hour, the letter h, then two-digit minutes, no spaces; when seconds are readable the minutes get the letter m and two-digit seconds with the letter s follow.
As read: 8h50
